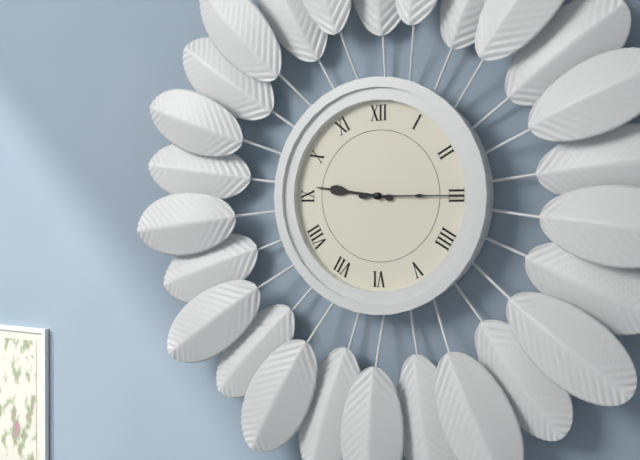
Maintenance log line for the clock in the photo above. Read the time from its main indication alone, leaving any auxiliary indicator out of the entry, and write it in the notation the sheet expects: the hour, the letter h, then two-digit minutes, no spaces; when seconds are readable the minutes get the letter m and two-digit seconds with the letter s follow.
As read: 9h15
